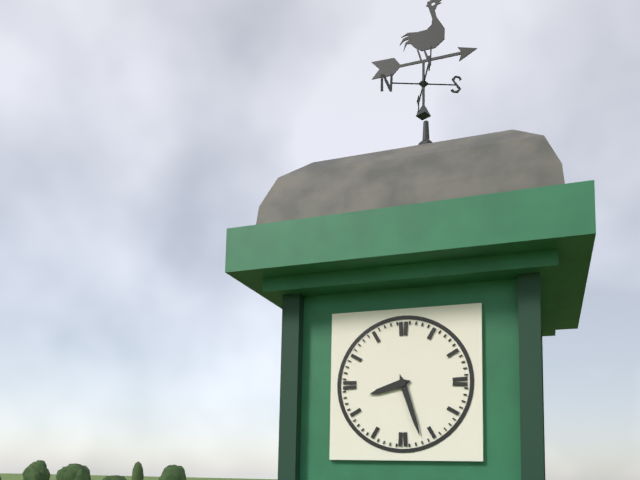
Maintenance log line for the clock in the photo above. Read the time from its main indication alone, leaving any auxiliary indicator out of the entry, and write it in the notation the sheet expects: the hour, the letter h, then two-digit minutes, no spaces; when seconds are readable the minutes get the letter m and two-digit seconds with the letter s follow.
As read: 8h27
